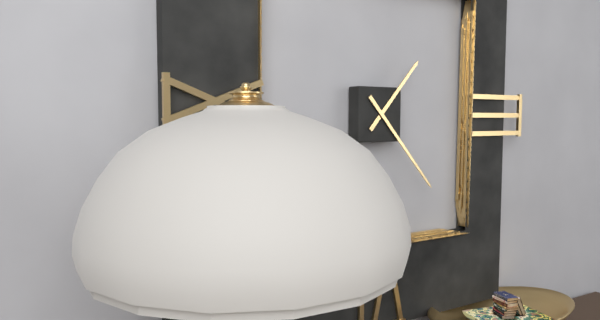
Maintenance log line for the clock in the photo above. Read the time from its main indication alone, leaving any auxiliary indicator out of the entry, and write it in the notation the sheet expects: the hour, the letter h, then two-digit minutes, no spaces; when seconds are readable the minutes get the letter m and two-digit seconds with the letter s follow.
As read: 1h23
